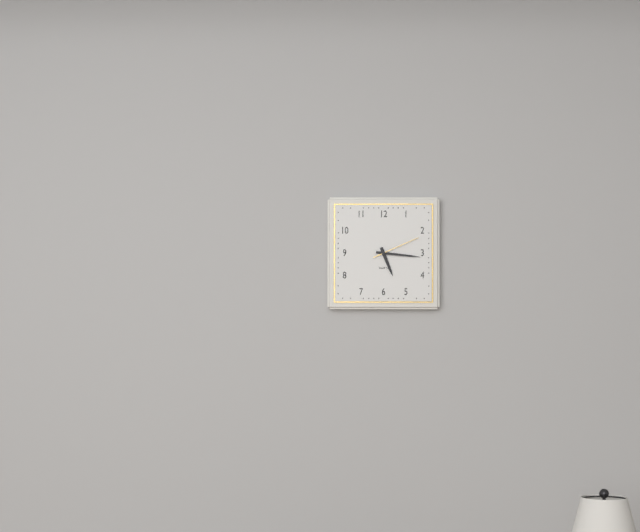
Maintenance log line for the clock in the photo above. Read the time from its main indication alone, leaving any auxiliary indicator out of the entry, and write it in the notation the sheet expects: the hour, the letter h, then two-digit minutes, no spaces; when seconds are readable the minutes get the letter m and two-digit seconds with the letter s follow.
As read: 5h16
